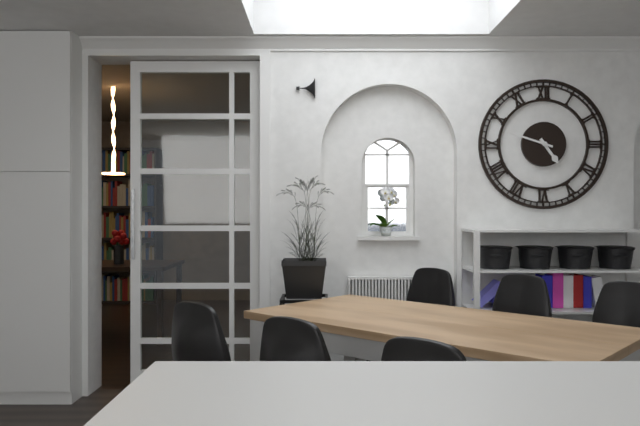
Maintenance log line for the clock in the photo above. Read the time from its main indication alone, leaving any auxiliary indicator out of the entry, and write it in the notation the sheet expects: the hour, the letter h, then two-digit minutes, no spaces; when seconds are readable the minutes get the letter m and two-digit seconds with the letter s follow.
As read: 4h48
